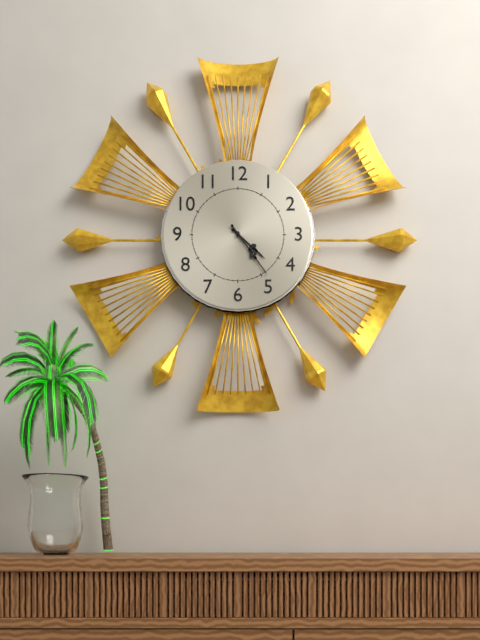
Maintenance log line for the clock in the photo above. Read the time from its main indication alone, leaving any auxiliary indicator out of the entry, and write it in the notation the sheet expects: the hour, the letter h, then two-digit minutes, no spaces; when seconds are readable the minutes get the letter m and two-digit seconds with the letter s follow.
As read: 4h24
